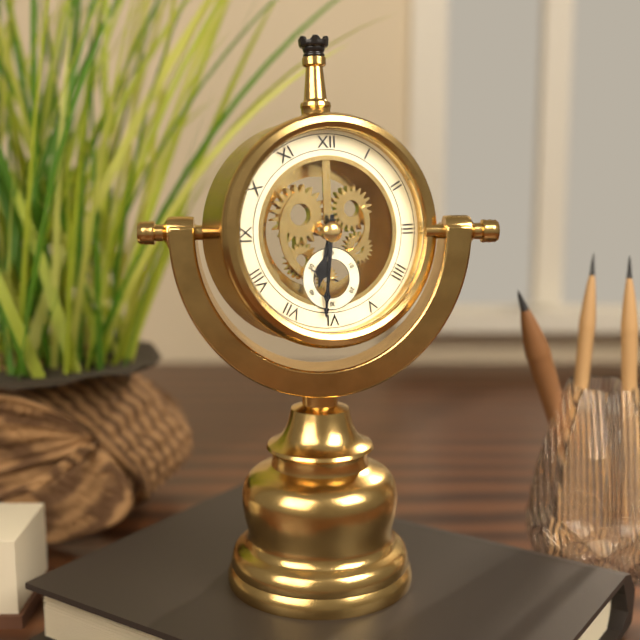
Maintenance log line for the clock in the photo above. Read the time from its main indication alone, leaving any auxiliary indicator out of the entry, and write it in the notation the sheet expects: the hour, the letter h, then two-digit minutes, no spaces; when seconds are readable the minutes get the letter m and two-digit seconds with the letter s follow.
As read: 6h31
